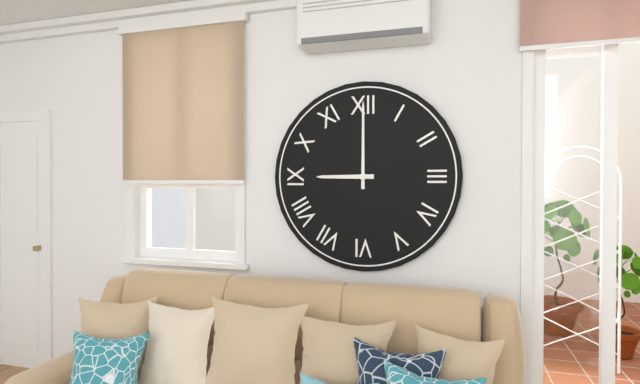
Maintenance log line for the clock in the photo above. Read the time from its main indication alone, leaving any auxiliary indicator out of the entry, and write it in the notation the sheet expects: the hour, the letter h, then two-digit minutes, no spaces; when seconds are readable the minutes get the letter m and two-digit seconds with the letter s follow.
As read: 9h00
